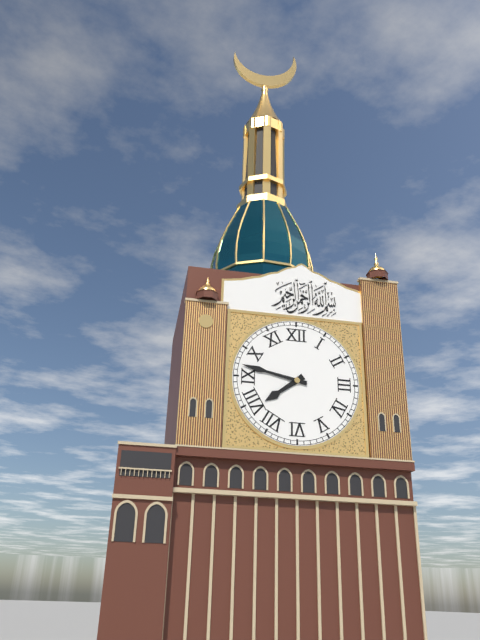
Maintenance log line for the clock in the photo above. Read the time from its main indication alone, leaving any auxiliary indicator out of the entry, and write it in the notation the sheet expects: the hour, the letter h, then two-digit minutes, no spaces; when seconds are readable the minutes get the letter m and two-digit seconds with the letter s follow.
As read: 7h47
